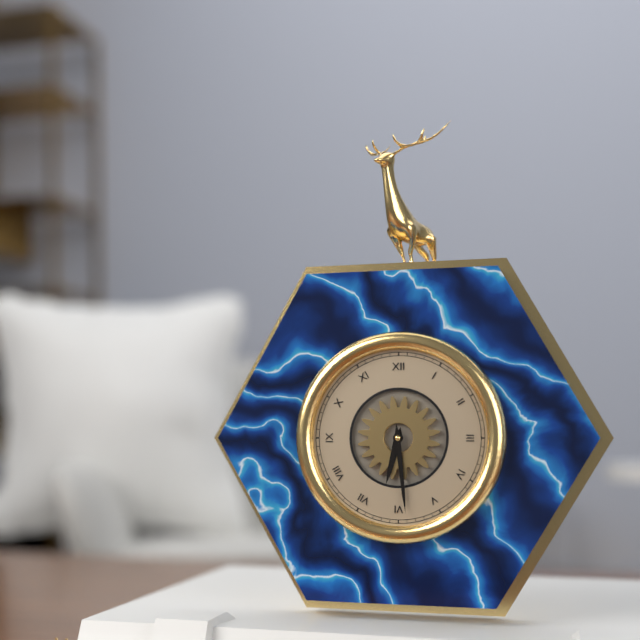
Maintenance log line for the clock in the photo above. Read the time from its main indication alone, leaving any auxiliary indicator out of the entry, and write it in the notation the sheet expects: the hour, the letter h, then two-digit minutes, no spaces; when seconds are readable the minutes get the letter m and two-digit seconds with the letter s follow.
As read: 6h29
